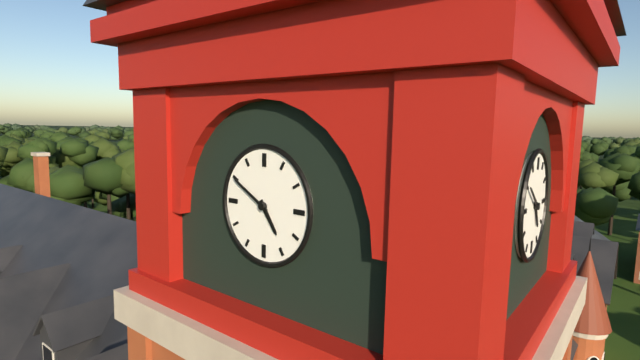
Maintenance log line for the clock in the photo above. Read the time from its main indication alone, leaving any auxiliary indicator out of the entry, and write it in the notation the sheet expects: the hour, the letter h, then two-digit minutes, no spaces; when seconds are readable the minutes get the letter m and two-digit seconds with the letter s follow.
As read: 4h50
